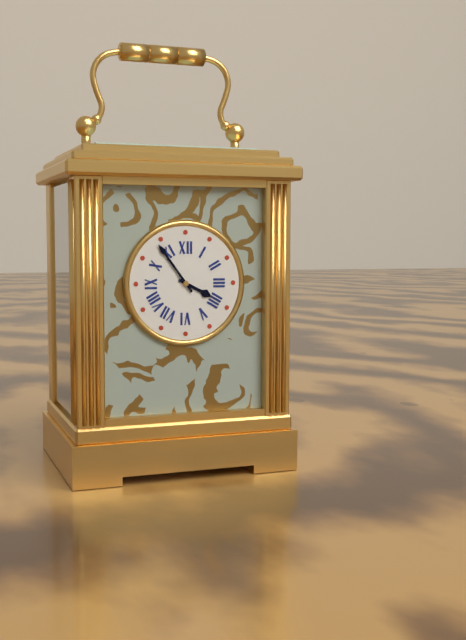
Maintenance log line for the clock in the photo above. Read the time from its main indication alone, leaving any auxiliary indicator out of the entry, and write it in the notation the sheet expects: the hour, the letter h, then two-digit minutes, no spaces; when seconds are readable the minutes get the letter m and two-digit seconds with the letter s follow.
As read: 3h54
